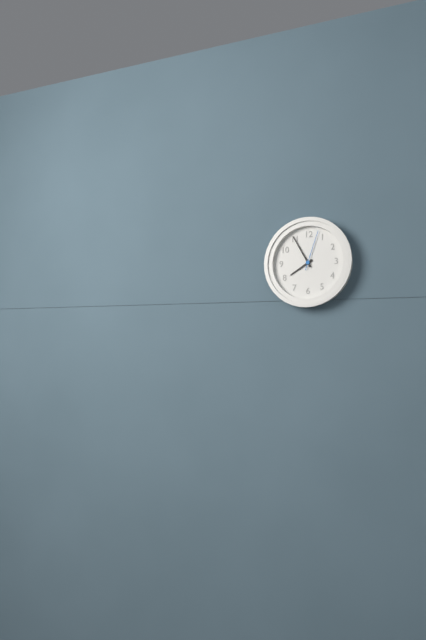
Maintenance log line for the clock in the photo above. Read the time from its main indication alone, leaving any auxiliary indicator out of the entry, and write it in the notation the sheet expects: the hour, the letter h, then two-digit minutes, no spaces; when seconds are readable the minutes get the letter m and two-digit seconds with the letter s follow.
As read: 7h55
